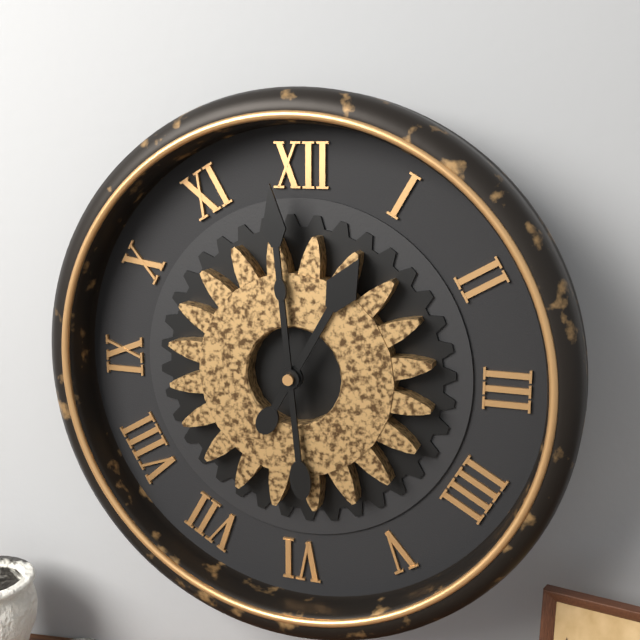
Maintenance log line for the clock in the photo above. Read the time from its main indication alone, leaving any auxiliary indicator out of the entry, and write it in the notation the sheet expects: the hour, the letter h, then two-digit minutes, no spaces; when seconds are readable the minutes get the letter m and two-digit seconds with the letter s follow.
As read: 12h59
